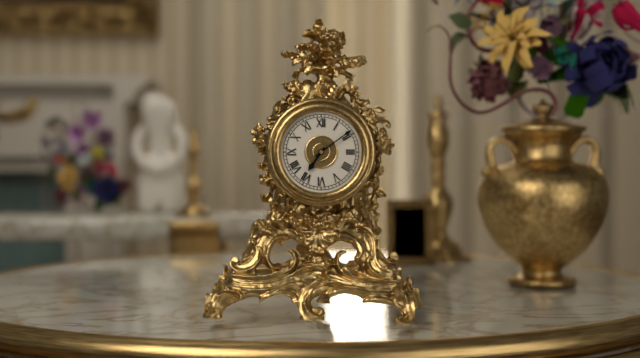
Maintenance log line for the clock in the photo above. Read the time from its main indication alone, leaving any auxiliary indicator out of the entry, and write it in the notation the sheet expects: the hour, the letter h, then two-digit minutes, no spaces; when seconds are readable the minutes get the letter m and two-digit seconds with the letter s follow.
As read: 7h09
